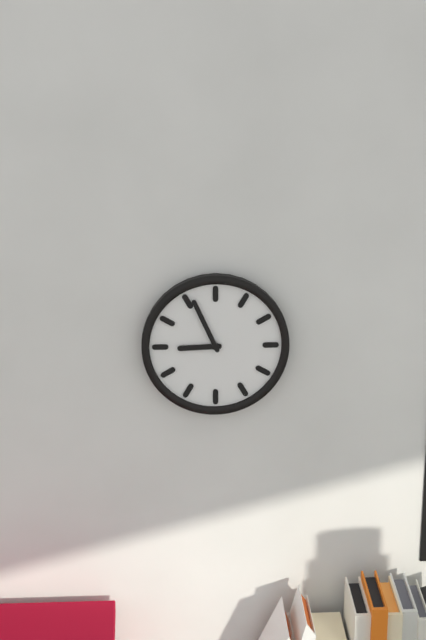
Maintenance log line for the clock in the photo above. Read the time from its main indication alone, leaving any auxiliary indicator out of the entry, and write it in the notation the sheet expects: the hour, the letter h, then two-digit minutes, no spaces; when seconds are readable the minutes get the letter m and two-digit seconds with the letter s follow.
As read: 8h56
